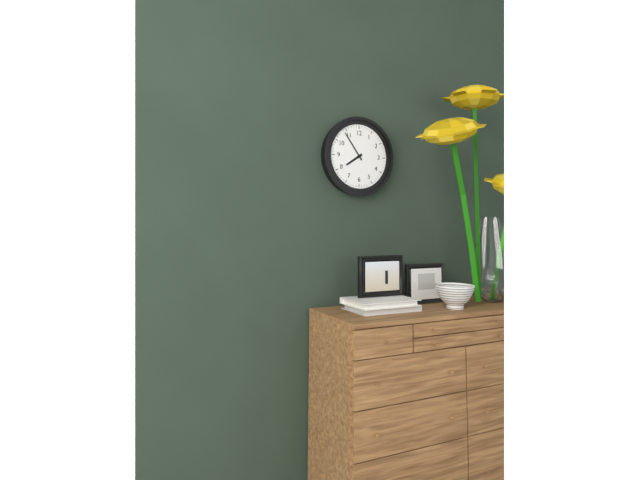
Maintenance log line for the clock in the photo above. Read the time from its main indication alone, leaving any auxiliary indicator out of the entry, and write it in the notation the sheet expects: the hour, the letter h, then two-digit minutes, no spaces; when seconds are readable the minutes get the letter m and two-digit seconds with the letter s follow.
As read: 7h54
